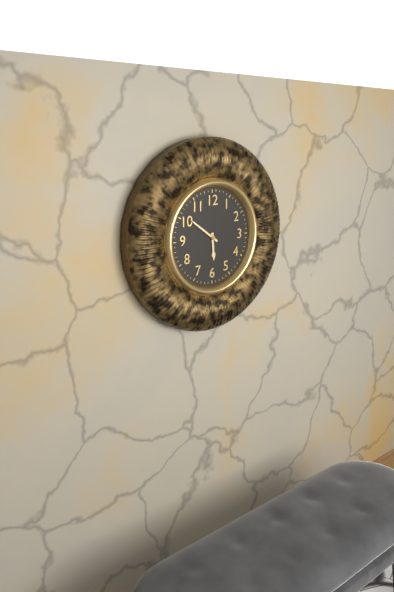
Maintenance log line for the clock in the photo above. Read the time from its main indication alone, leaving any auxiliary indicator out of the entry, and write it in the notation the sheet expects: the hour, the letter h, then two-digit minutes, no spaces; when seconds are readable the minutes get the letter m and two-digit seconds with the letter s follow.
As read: 5h51
